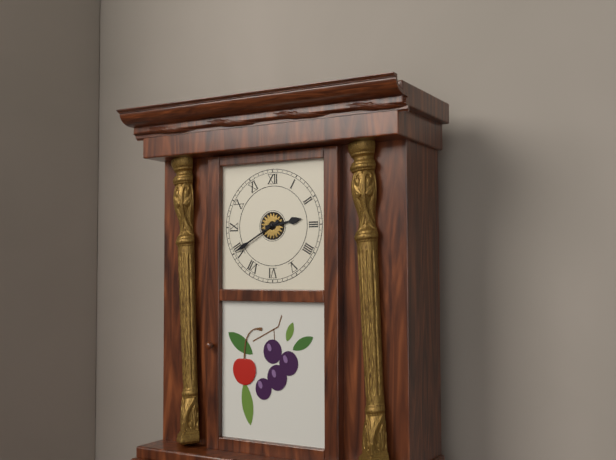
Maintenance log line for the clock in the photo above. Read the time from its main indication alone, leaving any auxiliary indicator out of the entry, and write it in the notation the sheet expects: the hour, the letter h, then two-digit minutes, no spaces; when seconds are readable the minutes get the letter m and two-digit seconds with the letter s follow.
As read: 2h40
